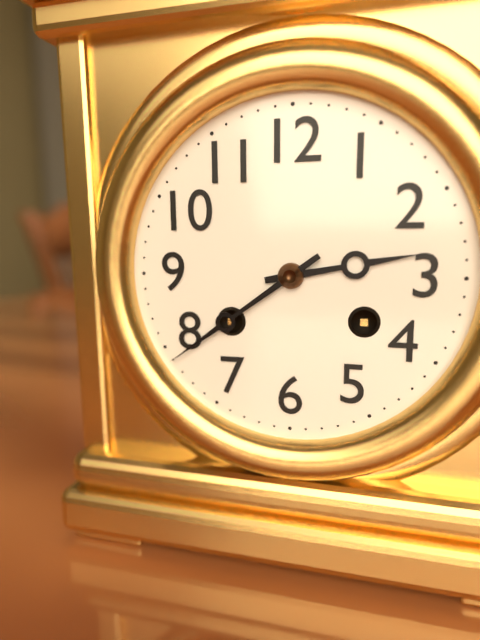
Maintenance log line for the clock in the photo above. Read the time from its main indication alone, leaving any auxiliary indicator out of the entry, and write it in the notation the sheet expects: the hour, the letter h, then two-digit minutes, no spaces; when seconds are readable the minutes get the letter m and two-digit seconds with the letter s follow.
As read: 2h39
